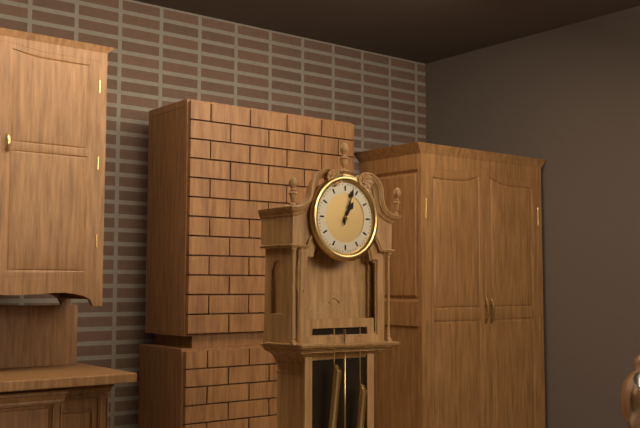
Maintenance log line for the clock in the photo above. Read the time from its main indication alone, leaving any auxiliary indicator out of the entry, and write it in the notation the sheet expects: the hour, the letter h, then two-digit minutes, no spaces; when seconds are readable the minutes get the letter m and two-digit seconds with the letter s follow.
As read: 1h03
